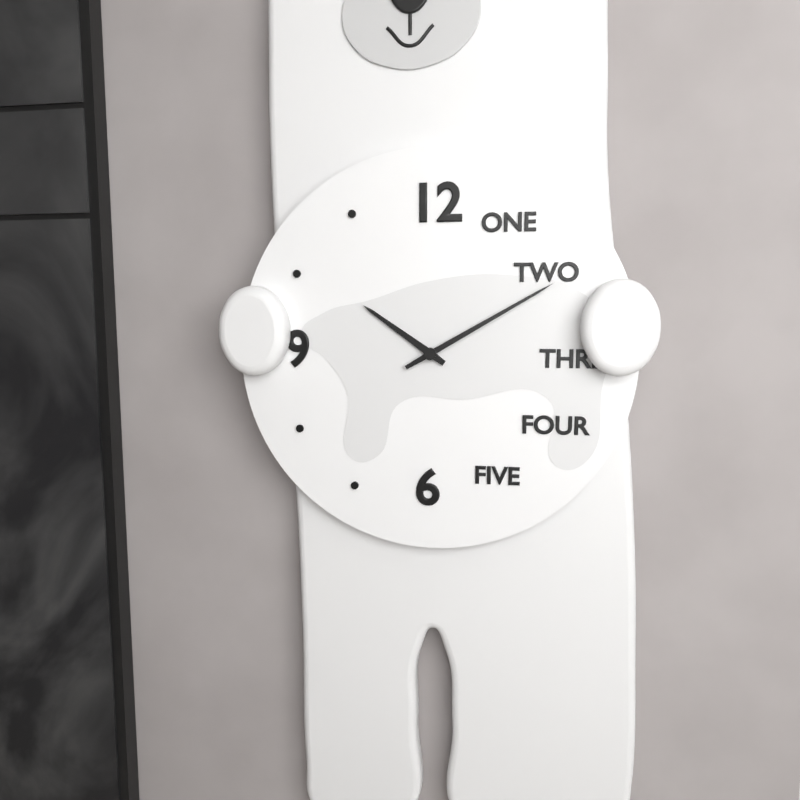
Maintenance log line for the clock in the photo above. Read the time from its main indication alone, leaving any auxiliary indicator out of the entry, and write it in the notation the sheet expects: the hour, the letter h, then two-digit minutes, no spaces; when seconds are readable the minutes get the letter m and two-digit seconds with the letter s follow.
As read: 10h10
